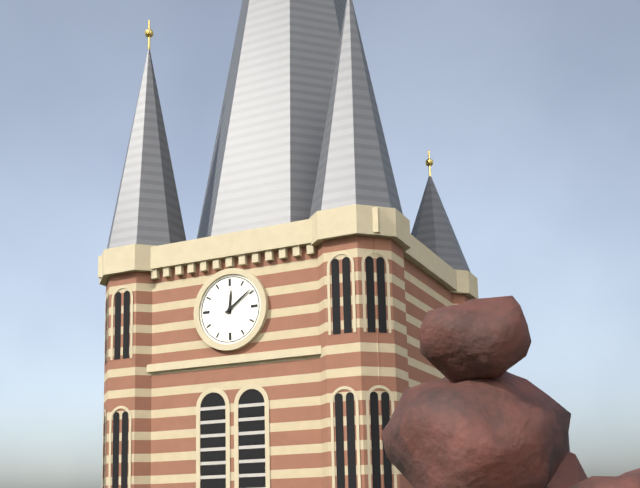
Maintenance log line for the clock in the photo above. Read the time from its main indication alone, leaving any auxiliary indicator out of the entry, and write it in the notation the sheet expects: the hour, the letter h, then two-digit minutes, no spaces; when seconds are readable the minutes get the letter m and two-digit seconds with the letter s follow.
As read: 12h09
